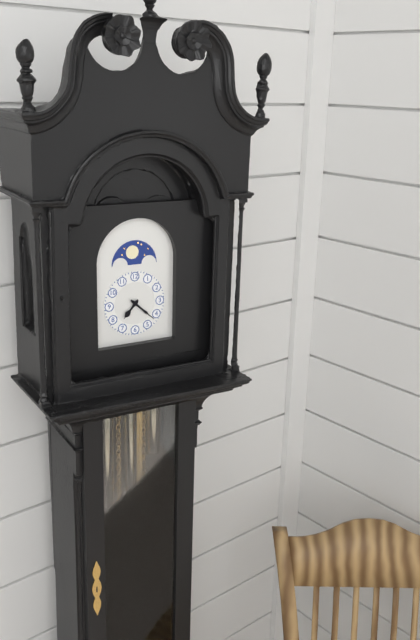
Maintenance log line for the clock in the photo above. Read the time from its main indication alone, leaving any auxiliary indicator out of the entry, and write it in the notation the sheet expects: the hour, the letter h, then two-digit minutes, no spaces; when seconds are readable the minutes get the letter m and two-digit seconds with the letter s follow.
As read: 7h22
